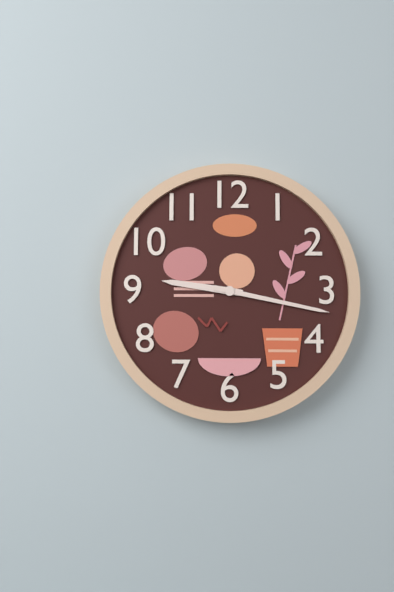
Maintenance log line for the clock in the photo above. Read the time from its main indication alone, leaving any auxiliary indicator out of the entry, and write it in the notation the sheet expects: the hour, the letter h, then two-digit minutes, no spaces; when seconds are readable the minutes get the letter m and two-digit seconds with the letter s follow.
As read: 9h17
